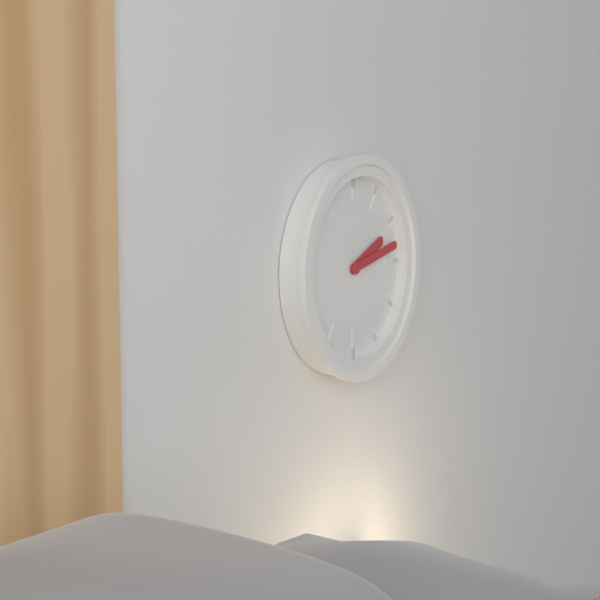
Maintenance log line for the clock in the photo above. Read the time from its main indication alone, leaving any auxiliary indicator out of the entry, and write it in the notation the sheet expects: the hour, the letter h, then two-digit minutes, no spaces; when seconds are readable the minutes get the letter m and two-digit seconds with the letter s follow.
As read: 2h13
